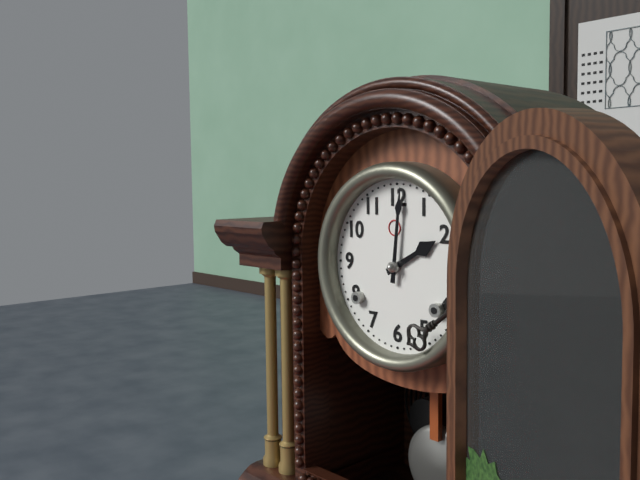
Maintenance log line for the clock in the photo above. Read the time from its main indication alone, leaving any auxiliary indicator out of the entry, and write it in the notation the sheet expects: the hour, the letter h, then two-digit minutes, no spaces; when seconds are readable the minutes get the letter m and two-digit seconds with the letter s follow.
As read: 2h01
